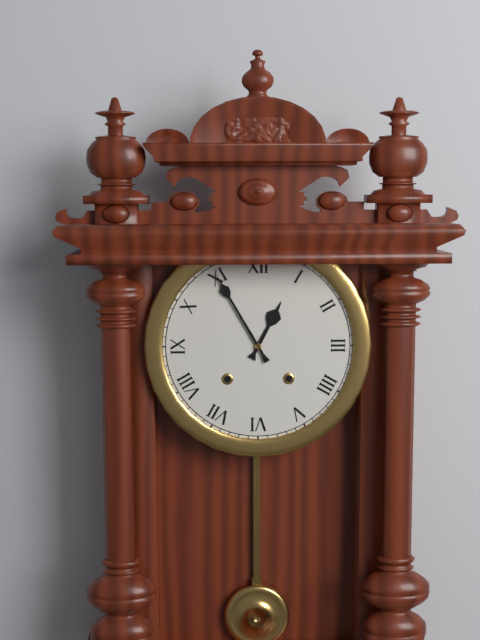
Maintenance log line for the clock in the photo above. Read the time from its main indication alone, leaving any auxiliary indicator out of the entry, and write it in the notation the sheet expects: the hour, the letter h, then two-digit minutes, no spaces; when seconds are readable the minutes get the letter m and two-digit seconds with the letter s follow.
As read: 12h55
